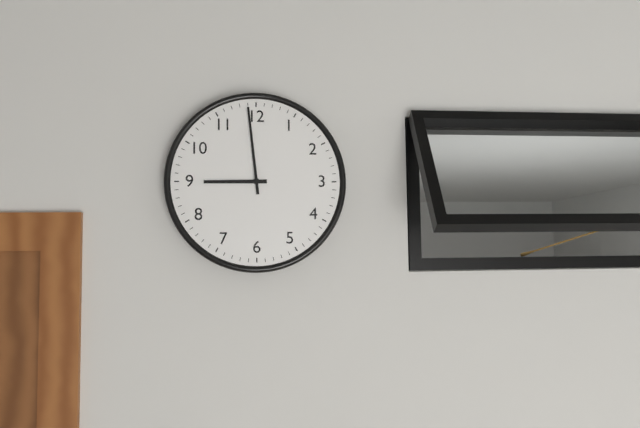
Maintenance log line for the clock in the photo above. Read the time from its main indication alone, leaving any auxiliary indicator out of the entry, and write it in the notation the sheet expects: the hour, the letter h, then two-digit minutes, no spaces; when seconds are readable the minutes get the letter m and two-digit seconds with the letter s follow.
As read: 8h59
